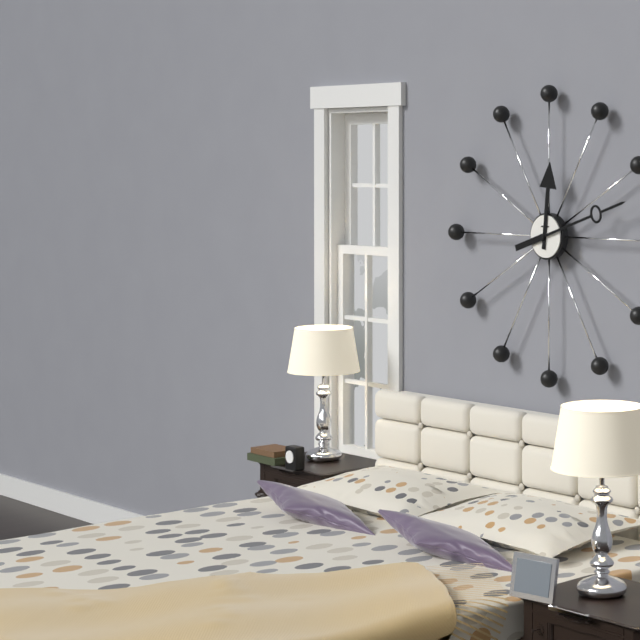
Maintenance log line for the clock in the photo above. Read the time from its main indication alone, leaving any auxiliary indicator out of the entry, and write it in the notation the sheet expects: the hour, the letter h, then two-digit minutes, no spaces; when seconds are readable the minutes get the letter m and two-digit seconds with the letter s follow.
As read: 12h12
